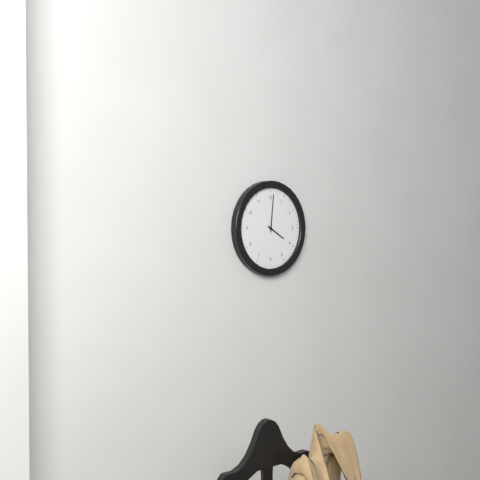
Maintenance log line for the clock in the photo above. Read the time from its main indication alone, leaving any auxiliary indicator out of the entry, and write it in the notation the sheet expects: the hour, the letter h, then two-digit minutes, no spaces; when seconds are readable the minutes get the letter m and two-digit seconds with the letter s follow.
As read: 4h01
